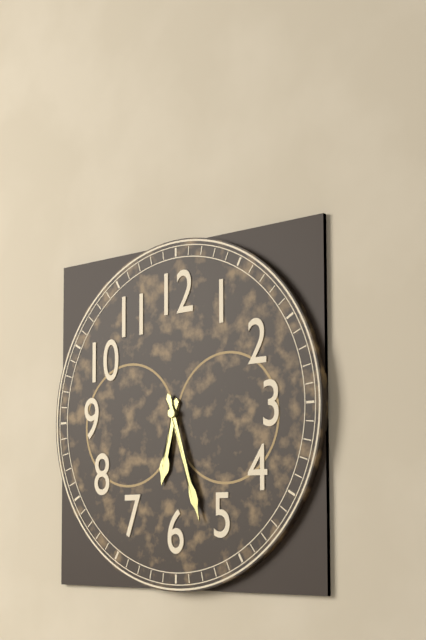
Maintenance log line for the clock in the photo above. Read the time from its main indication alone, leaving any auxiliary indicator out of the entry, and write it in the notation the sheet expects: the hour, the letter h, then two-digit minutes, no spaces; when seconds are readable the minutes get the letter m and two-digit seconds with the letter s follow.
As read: 6h27
